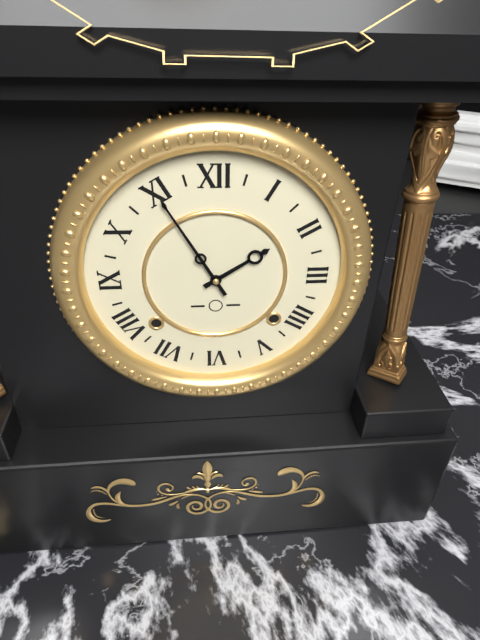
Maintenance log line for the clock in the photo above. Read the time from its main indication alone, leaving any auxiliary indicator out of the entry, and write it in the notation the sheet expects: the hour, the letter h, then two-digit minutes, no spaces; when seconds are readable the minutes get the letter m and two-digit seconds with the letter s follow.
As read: 1h55
